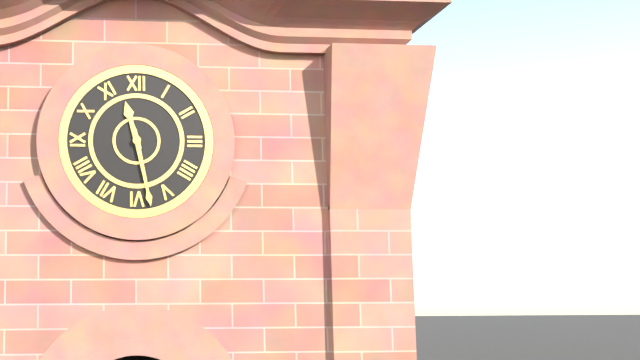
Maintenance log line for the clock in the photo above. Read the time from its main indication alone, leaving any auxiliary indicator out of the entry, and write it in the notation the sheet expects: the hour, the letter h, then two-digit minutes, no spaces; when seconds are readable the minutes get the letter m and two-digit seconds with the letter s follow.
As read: 11h28
